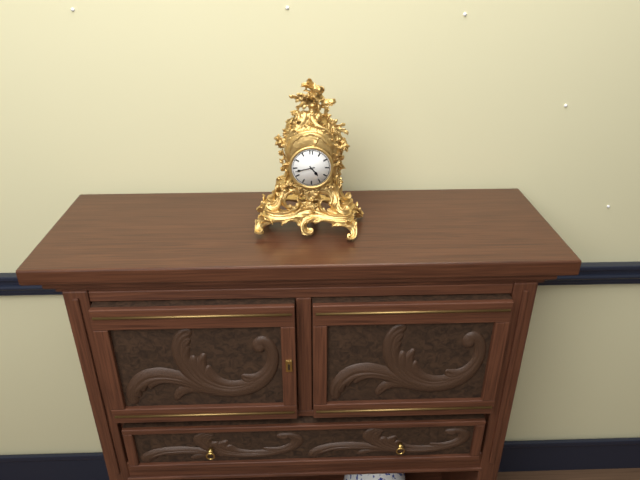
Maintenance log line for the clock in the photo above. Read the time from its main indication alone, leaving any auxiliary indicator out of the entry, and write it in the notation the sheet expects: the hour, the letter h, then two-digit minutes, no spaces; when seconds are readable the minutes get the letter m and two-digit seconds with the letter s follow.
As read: 4h43
